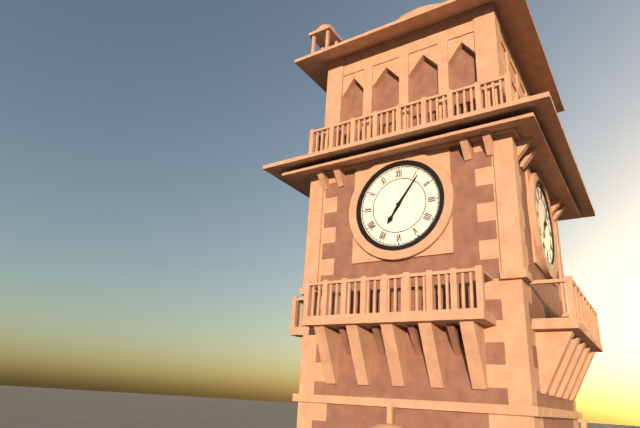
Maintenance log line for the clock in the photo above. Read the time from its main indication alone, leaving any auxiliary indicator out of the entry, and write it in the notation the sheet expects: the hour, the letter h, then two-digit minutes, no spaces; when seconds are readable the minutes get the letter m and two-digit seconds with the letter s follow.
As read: 7h06
